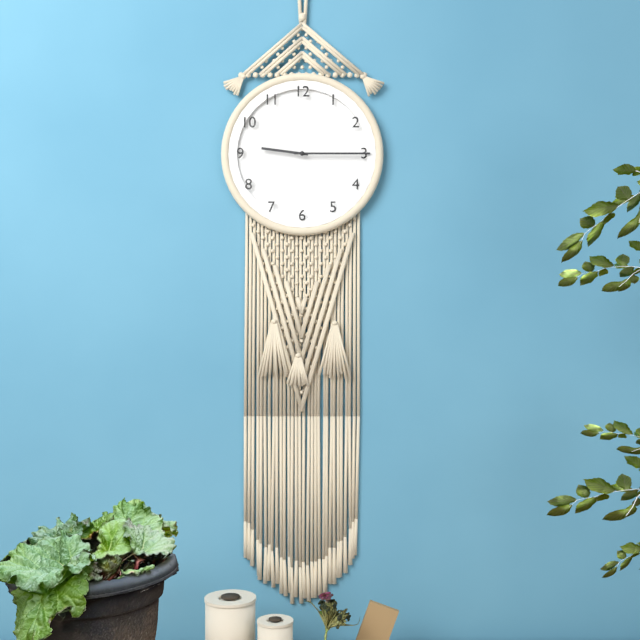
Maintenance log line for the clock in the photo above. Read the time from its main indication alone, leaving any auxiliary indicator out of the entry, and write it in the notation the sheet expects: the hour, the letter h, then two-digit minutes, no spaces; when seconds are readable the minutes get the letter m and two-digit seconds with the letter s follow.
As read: 9h15
